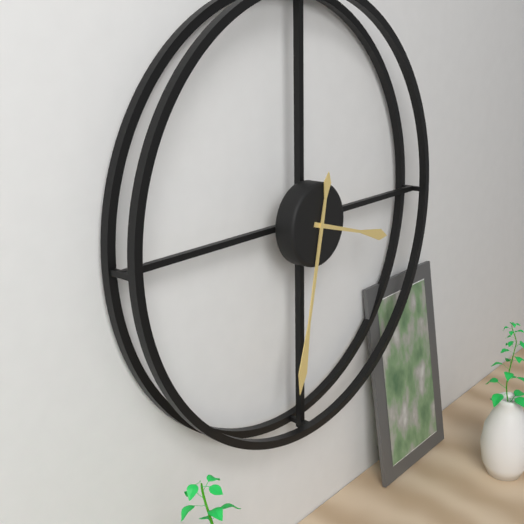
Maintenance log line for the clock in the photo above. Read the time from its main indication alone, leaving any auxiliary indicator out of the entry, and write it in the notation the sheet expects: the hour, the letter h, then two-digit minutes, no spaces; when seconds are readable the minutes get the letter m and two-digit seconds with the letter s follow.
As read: 3h32
